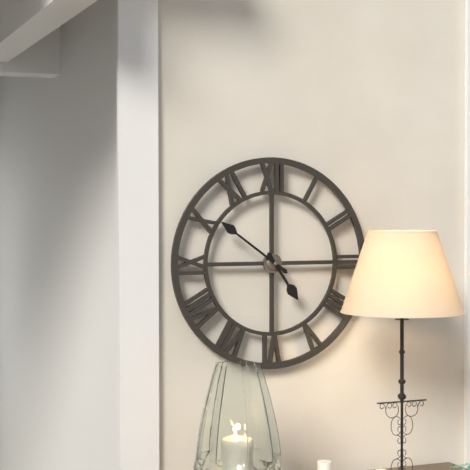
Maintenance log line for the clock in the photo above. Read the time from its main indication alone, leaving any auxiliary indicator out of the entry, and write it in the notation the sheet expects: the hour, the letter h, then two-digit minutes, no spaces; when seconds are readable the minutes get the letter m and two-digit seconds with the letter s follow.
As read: 4h51
